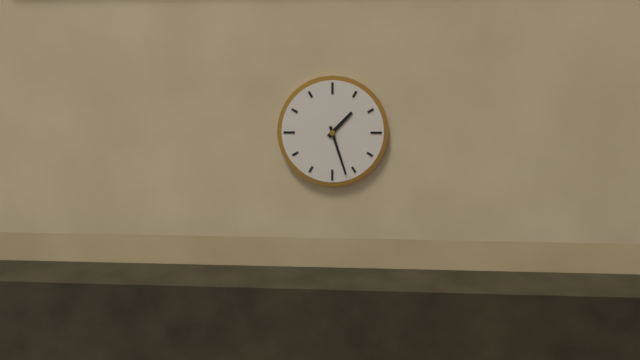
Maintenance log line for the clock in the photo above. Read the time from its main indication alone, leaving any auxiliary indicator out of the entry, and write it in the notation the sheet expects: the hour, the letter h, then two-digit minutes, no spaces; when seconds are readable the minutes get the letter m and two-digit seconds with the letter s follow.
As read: 1h27
